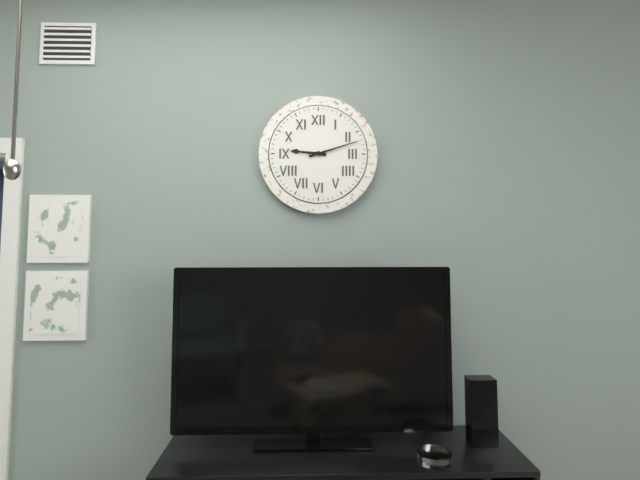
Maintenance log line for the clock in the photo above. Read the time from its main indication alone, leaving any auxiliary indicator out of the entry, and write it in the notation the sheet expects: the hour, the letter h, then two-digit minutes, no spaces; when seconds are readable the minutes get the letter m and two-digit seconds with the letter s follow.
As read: 9h12
